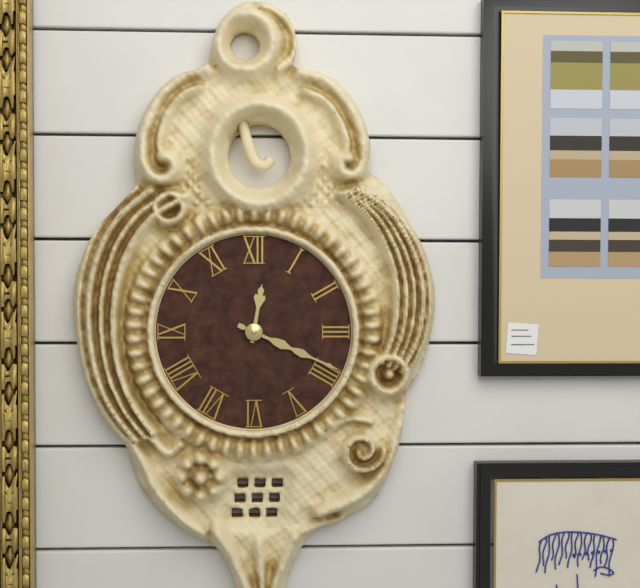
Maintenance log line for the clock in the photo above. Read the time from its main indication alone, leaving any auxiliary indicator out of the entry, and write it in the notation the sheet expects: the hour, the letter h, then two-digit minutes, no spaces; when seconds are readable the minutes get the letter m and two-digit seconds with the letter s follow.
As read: 12h19
